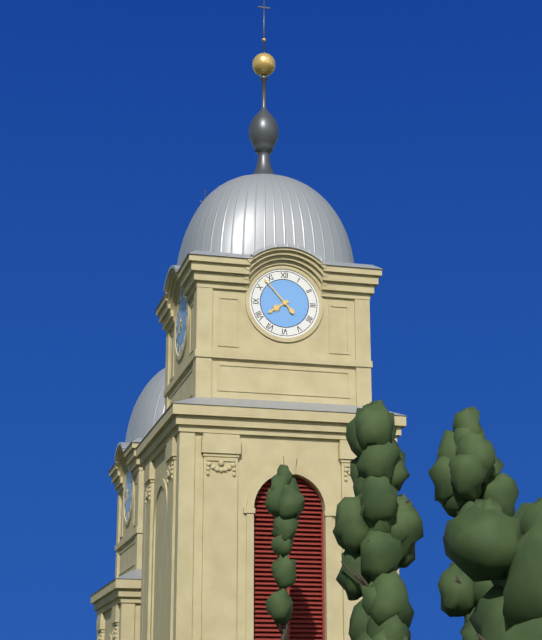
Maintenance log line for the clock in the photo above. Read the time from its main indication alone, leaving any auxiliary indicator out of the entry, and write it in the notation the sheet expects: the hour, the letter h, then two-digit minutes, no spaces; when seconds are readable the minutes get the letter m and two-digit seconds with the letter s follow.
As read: 7h53
